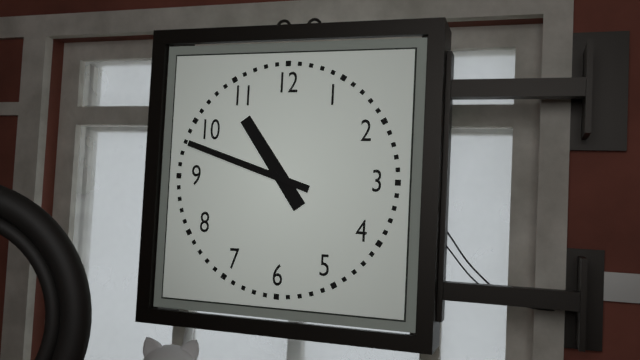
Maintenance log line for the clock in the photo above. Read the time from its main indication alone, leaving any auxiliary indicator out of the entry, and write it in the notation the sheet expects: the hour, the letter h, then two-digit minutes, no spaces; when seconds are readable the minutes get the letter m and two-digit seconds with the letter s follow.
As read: 10h48
